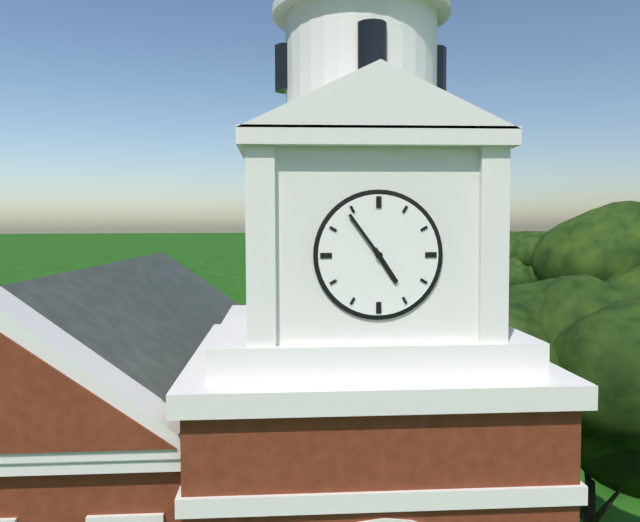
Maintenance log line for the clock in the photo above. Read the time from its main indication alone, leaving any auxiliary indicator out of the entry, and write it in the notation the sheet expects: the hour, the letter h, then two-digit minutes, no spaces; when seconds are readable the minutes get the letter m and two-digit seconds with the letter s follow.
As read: 4h54
